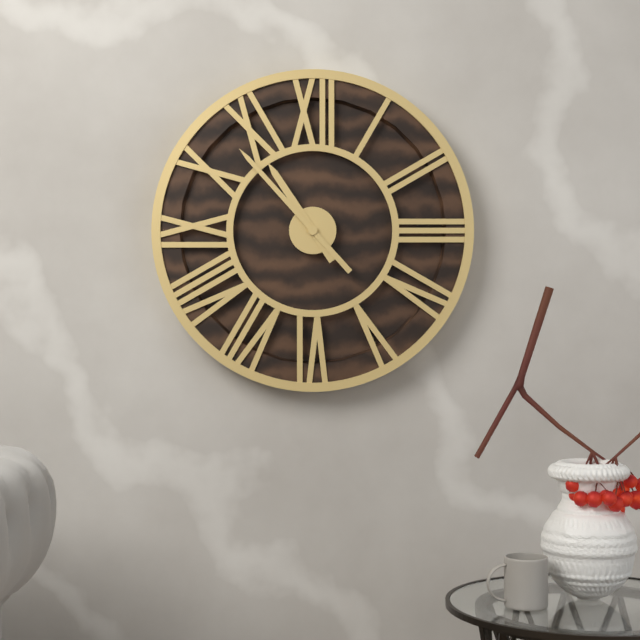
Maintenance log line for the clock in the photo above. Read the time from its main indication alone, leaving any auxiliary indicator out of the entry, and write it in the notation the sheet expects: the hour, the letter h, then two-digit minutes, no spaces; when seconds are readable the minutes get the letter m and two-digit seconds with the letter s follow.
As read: 10h53
